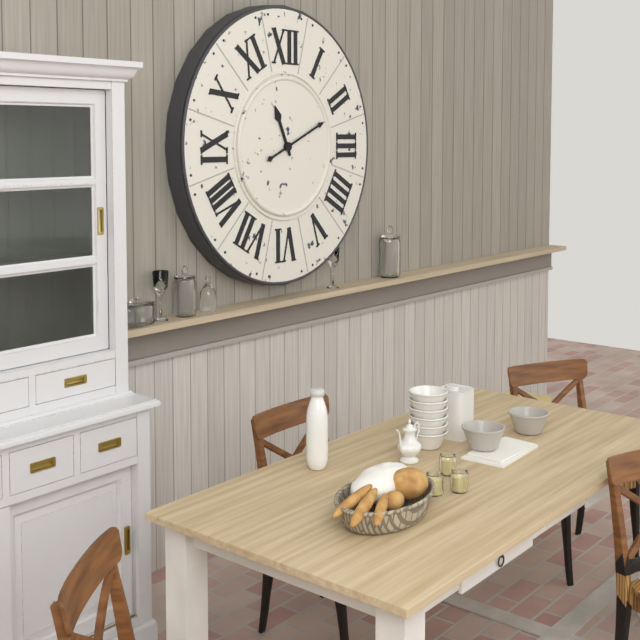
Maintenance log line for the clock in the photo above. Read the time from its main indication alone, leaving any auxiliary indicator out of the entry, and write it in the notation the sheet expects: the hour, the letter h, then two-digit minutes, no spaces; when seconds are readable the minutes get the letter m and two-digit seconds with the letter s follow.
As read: 11h11
